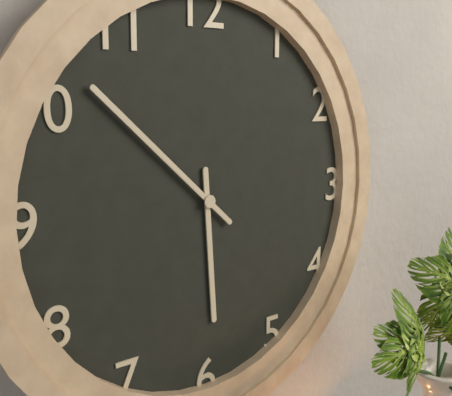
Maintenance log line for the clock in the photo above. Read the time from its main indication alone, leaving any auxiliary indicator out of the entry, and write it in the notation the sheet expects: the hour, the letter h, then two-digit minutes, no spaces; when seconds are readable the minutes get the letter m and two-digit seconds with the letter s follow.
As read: 5h52
